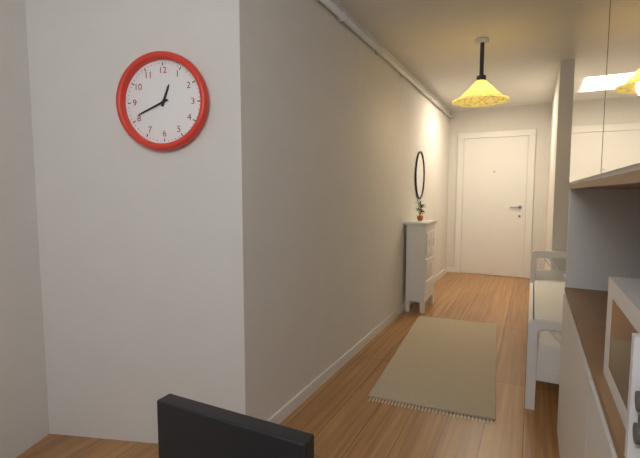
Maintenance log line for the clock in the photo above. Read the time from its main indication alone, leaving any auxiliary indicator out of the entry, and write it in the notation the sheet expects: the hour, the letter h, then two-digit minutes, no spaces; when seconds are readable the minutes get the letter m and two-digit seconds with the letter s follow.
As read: 12h41
